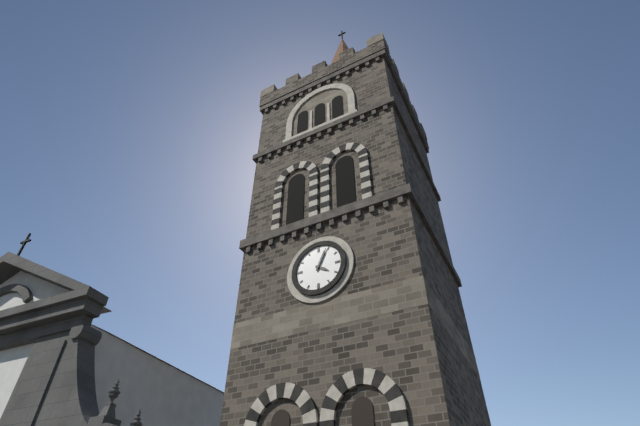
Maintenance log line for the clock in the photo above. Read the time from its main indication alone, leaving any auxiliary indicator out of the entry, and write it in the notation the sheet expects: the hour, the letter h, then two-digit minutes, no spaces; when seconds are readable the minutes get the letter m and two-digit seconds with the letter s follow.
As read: 4h04
